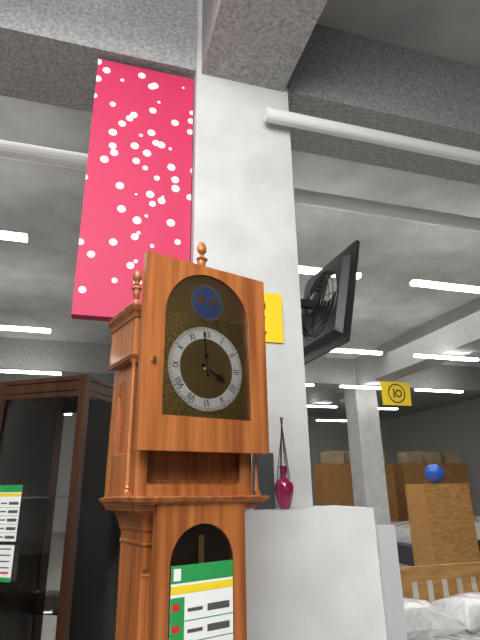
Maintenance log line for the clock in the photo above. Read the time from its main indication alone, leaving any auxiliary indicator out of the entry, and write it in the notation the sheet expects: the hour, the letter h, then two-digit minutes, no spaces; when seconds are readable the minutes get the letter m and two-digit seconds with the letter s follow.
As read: 3h59
